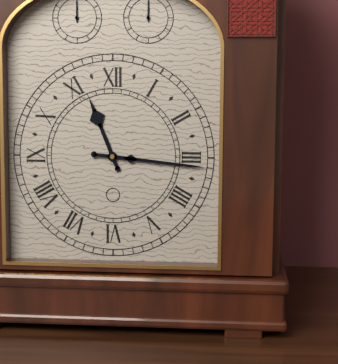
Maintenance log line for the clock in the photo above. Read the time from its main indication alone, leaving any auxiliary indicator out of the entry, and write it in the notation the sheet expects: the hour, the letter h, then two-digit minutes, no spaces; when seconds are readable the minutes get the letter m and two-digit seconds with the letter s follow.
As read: 11h16
